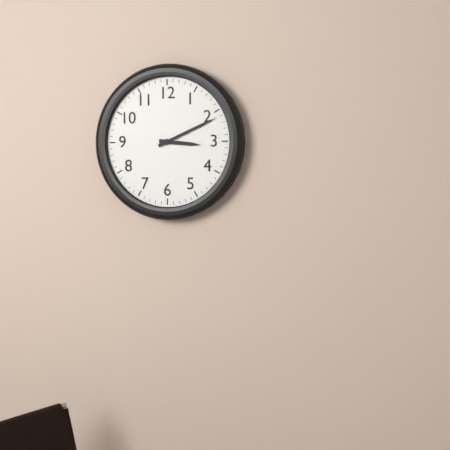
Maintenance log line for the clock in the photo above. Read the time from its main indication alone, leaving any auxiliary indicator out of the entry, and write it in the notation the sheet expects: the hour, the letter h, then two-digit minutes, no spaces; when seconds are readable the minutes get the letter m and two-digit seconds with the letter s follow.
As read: 3h11
